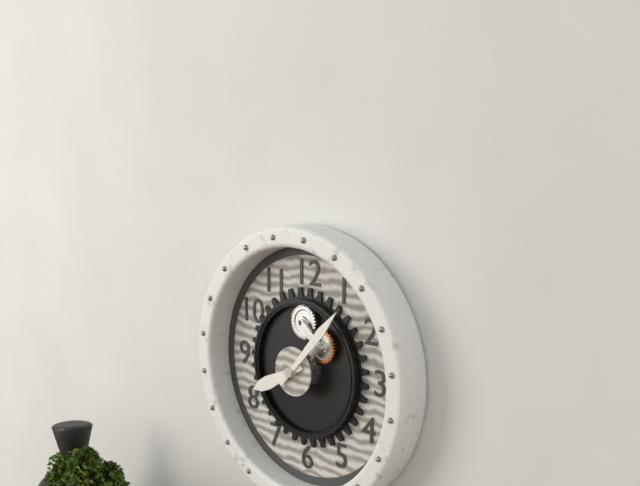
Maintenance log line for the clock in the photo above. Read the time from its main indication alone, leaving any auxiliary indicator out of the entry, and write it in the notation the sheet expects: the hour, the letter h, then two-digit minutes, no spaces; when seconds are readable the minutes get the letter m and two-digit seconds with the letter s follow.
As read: 8h07
